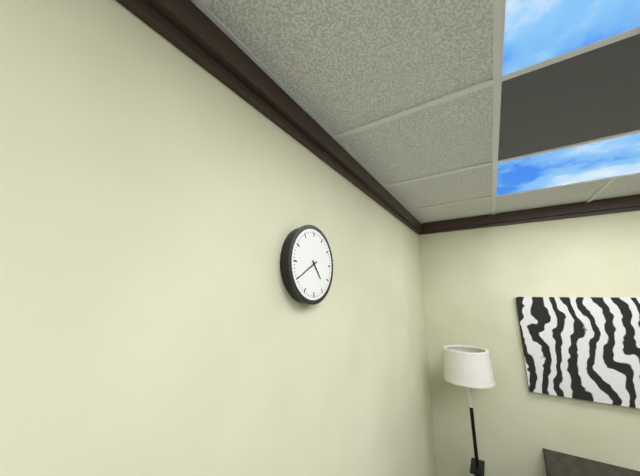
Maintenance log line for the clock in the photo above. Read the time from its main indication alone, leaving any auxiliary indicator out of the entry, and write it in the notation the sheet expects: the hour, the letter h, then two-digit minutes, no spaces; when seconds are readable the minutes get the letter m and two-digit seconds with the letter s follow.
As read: 4h40
